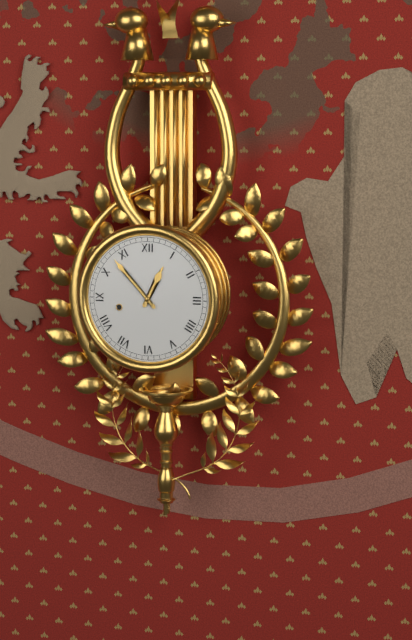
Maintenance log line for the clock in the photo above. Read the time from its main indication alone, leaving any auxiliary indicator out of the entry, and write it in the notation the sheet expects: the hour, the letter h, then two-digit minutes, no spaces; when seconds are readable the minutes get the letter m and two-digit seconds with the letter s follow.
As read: 12h53
